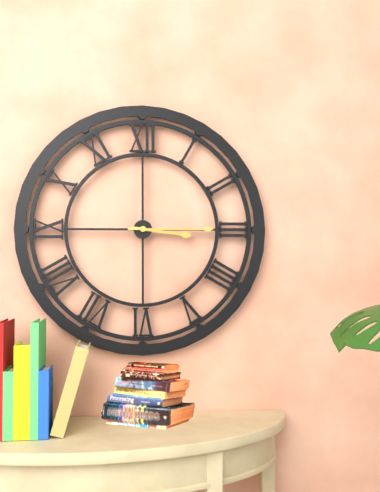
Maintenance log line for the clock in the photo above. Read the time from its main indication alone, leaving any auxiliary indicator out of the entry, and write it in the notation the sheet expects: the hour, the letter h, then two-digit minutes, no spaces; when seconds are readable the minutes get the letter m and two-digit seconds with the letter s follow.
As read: 3h15
